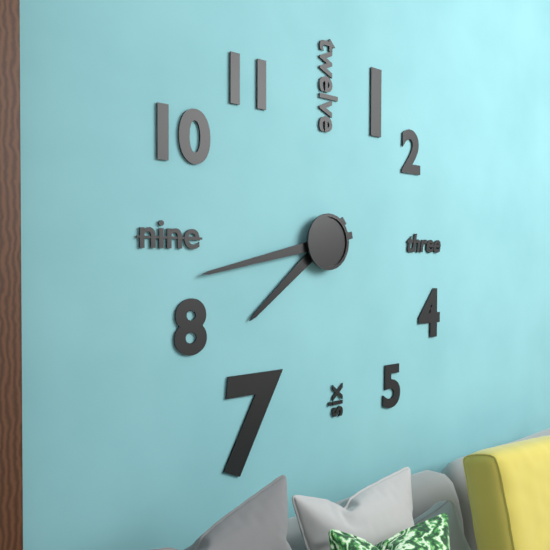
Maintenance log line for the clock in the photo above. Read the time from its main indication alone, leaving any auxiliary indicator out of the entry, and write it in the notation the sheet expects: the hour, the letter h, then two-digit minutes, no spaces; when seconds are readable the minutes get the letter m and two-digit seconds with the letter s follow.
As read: 7h43
